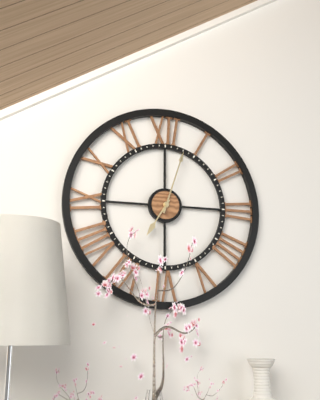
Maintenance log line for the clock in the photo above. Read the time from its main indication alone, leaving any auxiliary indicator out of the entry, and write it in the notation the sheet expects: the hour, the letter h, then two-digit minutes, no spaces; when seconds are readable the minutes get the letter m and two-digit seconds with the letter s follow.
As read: 7h03
